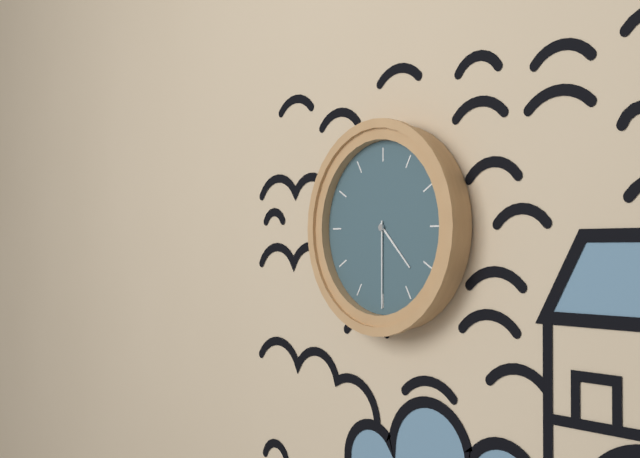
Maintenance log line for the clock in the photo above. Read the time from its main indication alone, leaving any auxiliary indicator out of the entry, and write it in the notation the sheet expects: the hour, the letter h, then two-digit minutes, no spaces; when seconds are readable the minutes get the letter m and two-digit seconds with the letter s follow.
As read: 4h30
